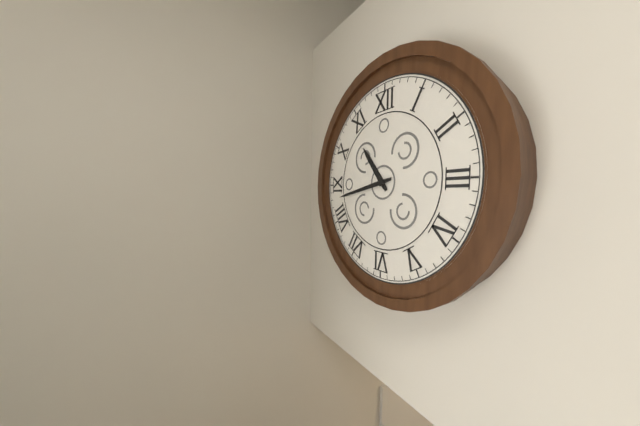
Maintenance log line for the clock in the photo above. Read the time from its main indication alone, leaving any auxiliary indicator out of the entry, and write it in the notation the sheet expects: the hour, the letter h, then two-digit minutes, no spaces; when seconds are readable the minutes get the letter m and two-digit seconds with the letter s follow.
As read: 10h43
